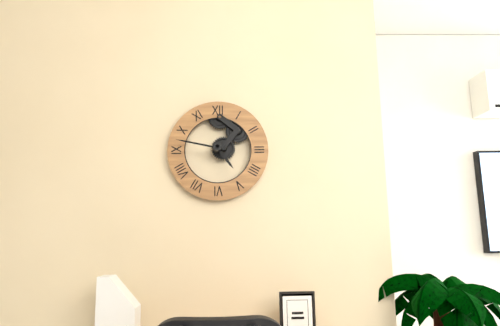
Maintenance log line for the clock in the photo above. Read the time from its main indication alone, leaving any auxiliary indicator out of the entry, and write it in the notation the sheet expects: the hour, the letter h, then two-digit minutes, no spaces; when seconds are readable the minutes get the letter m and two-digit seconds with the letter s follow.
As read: 4h47
